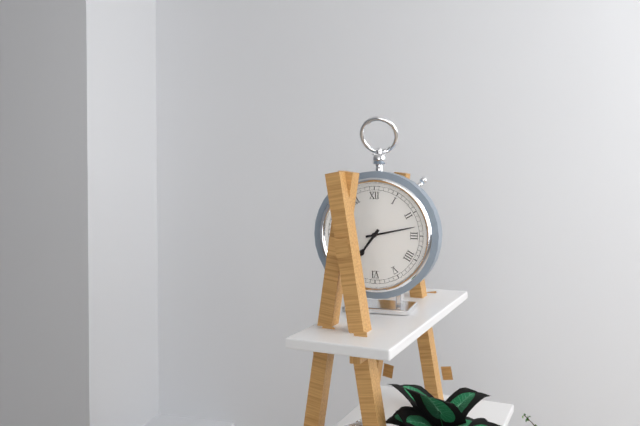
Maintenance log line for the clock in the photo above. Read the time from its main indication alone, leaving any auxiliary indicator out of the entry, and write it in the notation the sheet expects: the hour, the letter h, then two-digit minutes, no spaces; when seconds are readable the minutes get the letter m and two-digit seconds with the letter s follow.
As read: 7h13
